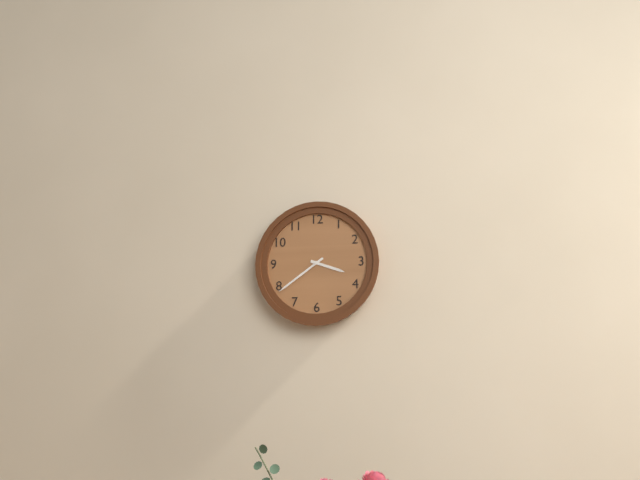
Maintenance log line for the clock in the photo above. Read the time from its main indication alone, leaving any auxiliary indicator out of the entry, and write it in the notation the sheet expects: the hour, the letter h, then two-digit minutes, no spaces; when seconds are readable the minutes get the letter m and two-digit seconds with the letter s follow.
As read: 3h39
